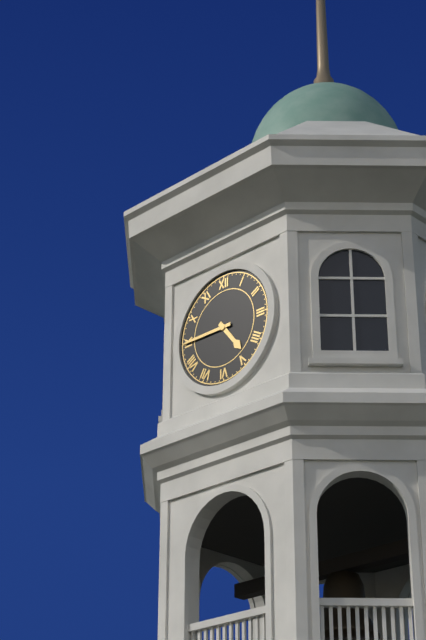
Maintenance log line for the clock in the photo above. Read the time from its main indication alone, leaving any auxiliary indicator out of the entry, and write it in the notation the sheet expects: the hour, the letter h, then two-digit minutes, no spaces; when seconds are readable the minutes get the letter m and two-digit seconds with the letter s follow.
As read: 4h45
